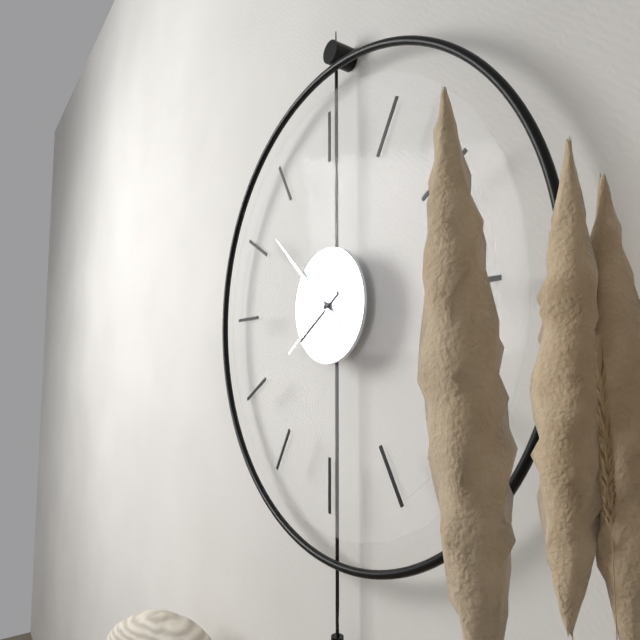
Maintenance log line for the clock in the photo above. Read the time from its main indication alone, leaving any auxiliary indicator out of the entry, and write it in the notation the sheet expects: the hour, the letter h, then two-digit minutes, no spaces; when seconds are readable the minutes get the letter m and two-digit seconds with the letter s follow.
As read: 7h52
